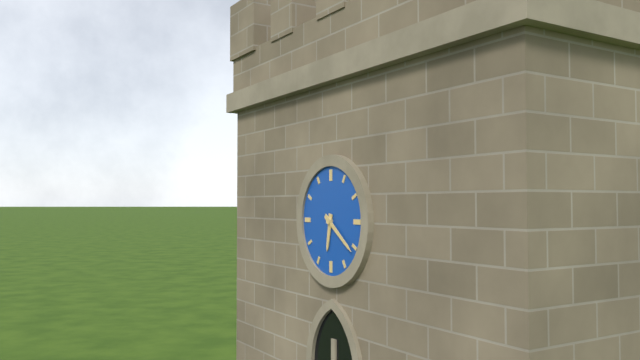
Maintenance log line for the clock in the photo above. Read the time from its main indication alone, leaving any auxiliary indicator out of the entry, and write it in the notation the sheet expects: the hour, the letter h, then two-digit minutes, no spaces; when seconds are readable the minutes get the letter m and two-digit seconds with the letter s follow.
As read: 6h21
